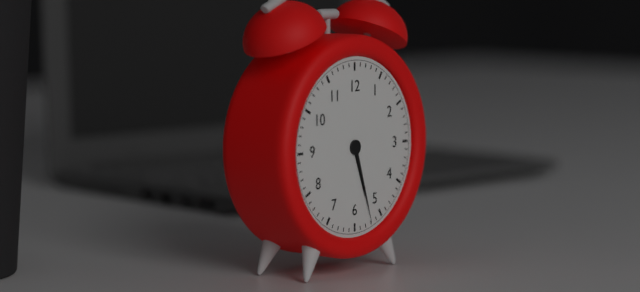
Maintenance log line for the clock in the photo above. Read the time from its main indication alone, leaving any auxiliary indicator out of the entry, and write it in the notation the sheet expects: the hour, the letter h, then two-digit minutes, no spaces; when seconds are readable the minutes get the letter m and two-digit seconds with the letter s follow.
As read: 5h27
